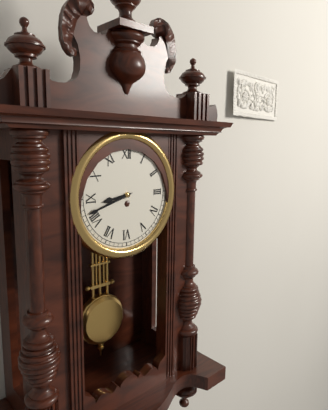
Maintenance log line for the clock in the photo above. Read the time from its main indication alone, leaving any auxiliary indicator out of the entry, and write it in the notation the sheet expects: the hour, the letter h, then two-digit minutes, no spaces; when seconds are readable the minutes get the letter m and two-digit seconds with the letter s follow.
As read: 8h42
